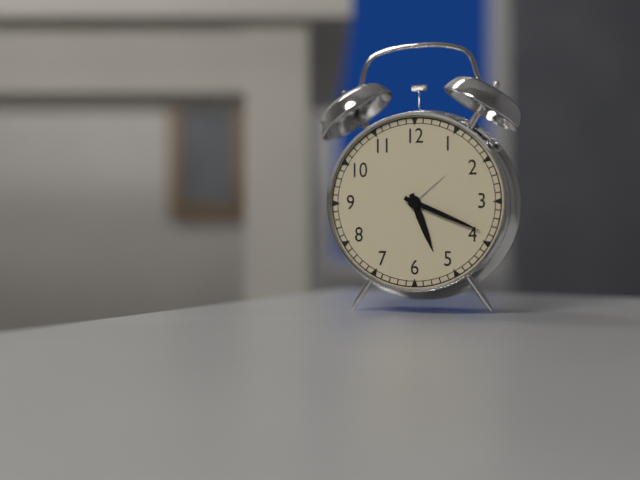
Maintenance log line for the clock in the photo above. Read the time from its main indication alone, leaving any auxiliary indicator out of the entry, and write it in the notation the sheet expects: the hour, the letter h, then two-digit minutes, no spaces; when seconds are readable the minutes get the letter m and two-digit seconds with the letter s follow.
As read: 5h19
